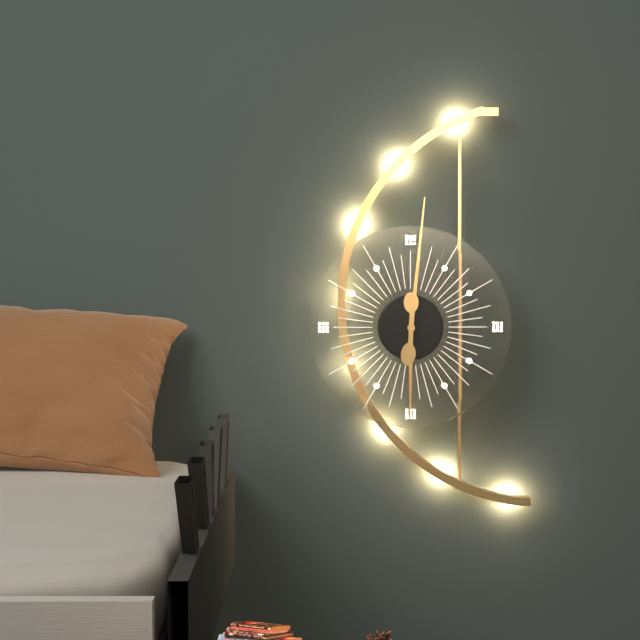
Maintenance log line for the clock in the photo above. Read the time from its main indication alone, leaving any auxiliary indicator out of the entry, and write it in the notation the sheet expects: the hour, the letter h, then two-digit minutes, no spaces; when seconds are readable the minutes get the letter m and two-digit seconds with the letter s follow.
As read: 6h01
